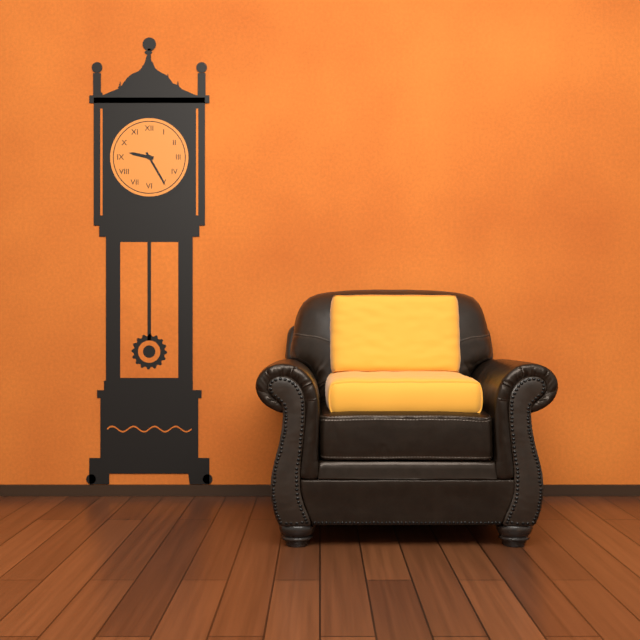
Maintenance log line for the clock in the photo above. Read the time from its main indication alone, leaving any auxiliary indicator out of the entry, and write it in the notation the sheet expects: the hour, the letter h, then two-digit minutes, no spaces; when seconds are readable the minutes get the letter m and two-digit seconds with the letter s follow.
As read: 9h25
